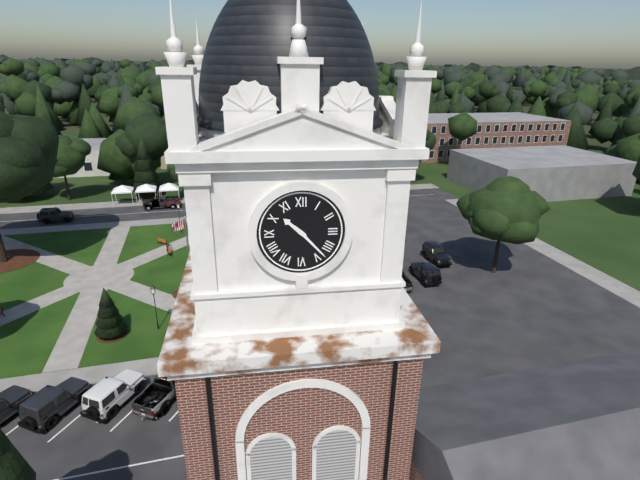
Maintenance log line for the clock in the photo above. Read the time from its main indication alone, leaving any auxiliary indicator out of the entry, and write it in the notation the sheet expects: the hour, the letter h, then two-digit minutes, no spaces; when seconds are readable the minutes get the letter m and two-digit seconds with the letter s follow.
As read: 10h23
